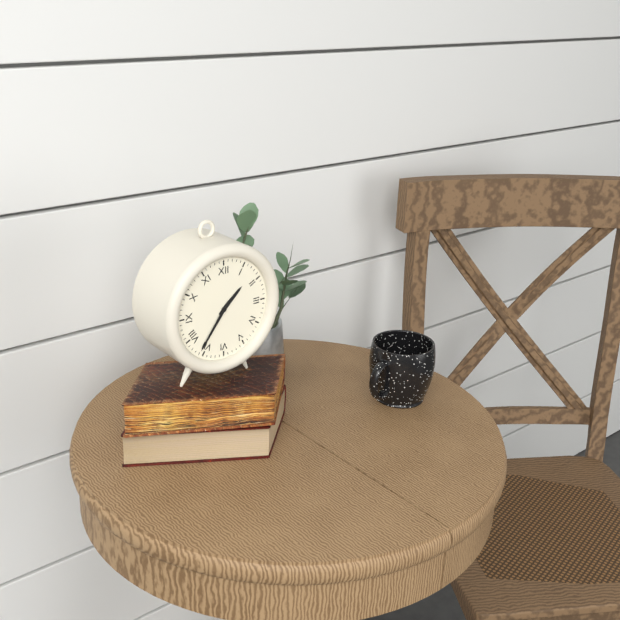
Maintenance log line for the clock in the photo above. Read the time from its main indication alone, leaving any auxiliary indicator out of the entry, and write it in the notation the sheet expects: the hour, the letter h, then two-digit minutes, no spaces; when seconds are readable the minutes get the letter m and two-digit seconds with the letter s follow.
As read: 1h36
